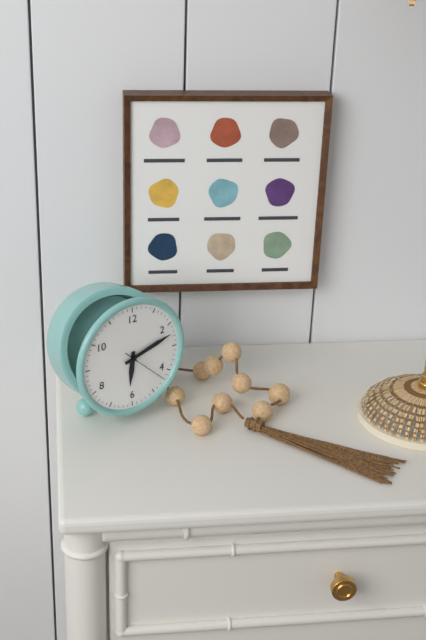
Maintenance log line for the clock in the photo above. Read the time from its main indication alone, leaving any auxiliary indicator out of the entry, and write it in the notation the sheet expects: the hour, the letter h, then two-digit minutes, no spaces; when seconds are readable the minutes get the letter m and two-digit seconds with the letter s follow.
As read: 6h12
